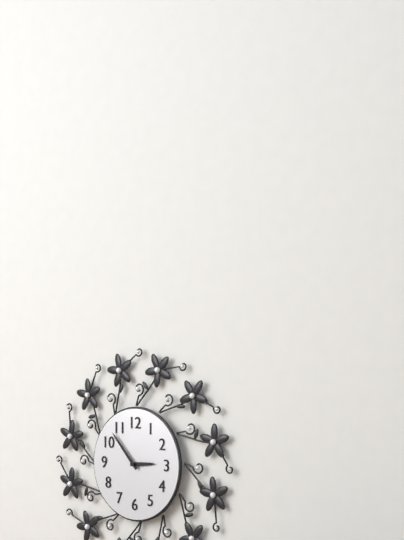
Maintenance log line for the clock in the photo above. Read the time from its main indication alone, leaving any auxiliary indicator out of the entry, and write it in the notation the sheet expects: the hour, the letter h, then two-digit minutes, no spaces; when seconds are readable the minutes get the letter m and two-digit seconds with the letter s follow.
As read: 2h53
